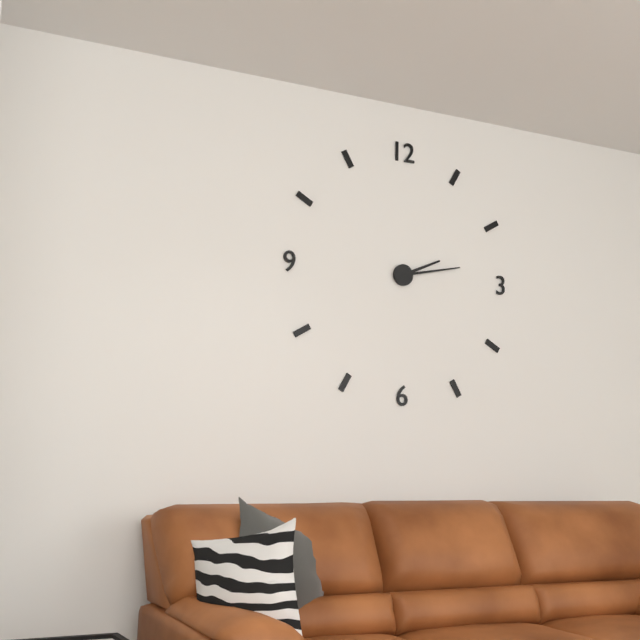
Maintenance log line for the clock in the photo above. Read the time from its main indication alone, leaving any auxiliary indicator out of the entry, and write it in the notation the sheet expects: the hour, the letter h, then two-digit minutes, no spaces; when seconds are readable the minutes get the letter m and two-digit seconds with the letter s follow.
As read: 2h13
